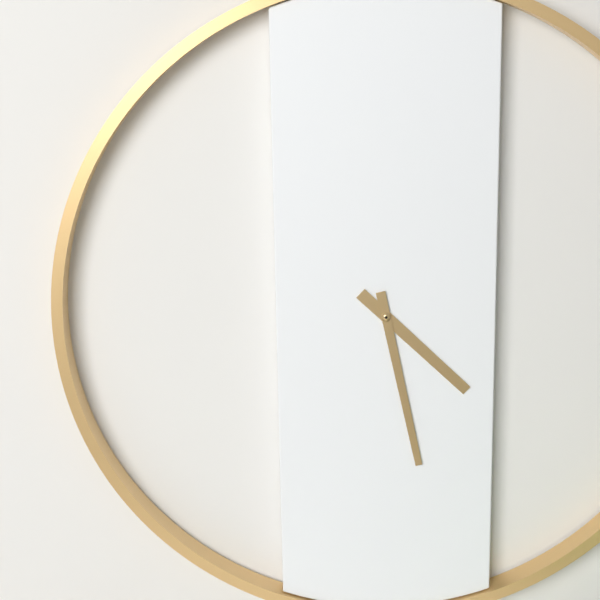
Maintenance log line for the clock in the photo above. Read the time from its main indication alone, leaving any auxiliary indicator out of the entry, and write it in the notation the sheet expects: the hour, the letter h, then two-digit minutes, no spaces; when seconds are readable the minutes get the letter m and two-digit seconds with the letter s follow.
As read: 4h28
